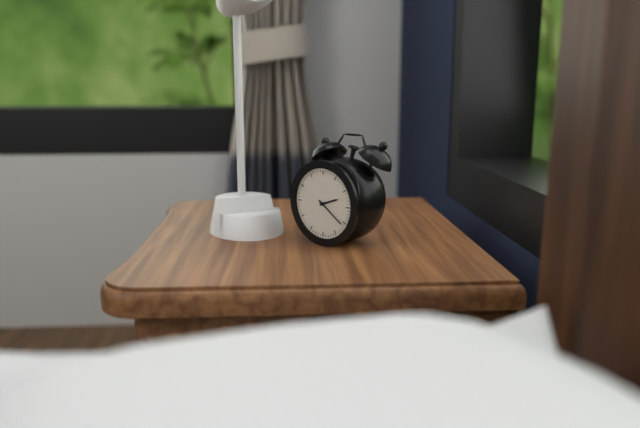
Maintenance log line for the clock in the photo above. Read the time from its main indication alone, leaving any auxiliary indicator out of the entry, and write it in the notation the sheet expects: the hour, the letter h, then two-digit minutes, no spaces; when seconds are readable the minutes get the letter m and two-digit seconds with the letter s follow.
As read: 2h21
